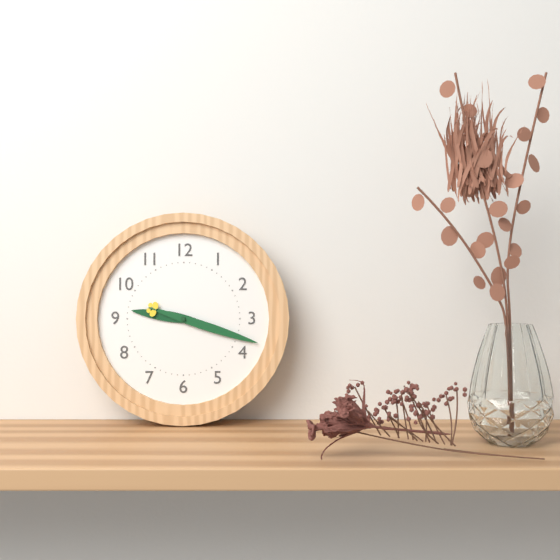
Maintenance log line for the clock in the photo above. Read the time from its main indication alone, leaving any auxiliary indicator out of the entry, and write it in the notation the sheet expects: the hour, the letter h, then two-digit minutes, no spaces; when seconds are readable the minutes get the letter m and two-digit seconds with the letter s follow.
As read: 9h18
